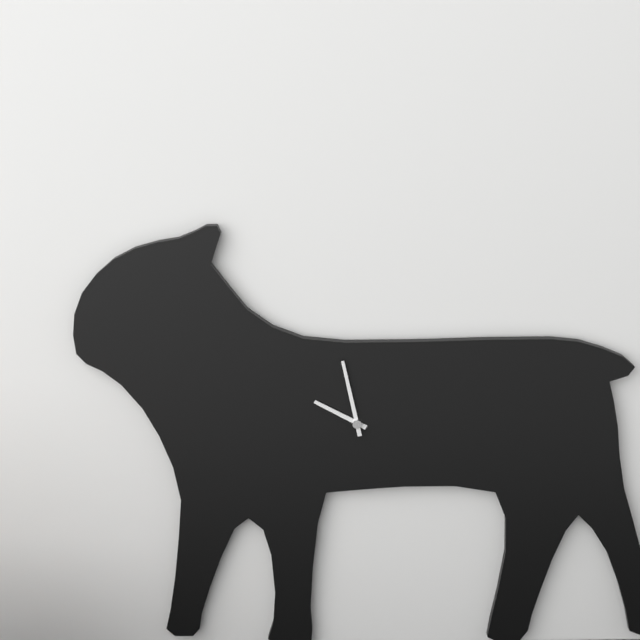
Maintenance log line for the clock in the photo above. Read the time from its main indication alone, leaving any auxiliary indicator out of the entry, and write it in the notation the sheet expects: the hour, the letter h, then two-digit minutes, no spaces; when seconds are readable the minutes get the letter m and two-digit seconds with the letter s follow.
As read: 9h58
